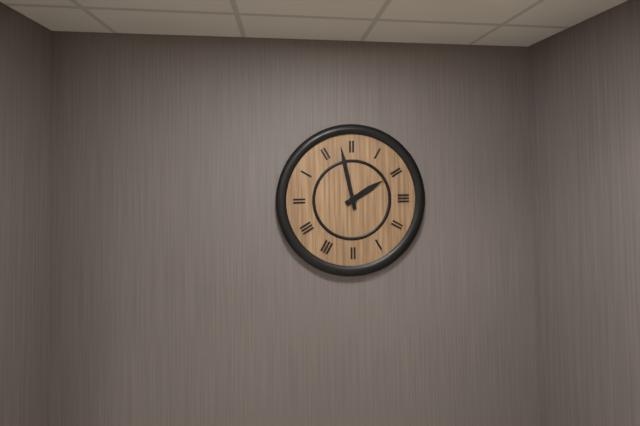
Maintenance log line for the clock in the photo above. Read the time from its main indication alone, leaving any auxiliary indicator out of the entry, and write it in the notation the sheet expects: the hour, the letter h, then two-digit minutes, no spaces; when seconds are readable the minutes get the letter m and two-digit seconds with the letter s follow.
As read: 1h58
